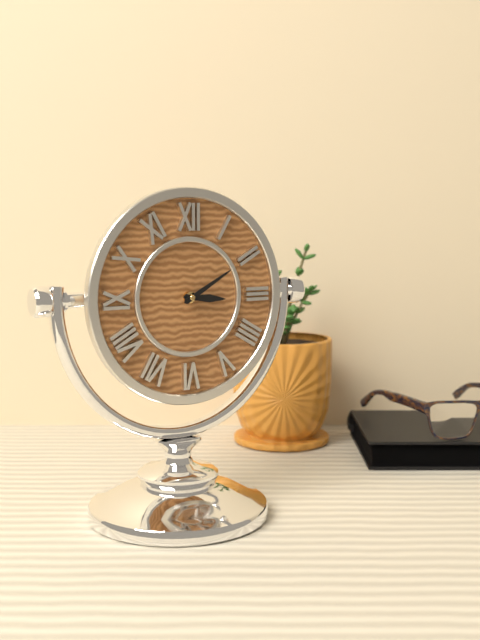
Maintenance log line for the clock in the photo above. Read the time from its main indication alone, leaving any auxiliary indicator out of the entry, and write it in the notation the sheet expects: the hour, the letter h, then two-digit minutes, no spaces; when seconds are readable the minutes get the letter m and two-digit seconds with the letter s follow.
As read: 3h10
